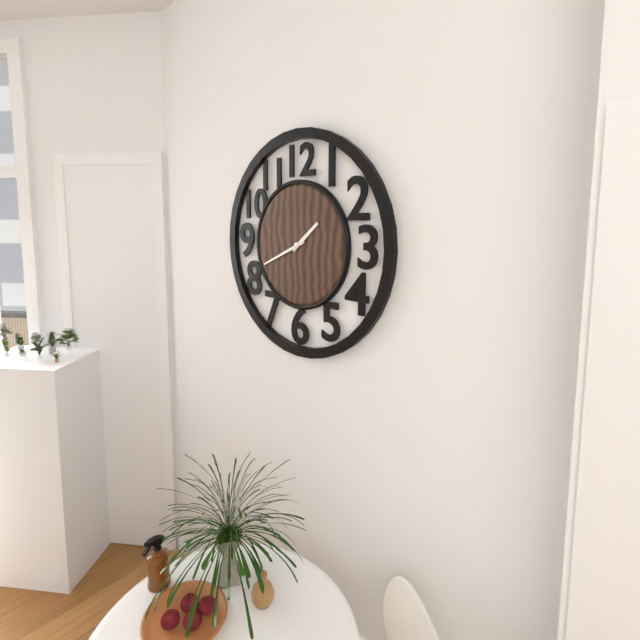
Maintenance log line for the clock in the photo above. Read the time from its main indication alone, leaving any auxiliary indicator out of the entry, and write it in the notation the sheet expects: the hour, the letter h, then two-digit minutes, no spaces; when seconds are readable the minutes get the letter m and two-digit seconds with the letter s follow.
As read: 1h41
